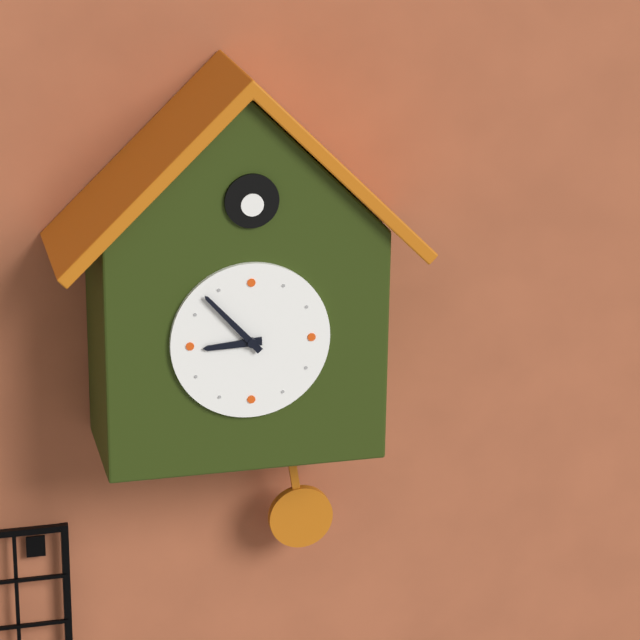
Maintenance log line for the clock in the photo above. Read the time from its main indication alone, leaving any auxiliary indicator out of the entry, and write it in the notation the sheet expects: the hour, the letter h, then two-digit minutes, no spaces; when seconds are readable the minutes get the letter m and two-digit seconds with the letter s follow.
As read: 8h53
